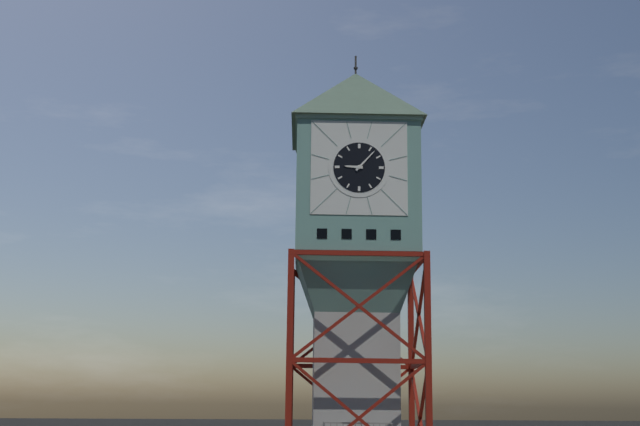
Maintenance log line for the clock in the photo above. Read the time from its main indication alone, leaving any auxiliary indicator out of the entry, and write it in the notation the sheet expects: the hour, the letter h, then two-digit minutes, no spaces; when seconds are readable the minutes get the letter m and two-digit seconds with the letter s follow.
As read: 9h07
